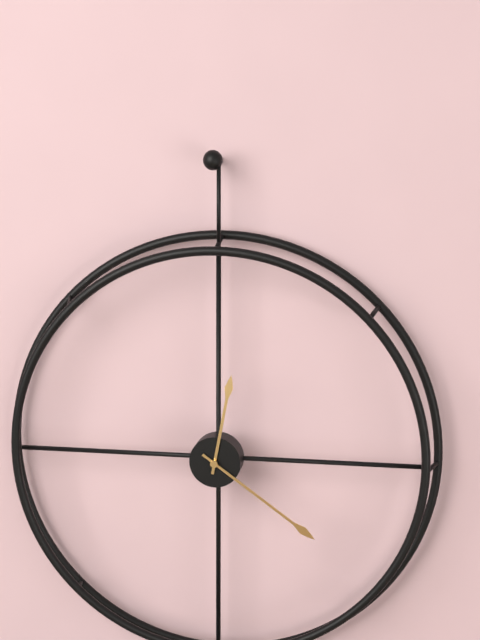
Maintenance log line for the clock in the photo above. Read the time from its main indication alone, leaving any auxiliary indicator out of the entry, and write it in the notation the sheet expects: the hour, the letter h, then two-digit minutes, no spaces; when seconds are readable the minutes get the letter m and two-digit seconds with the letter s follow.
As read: 12h21
